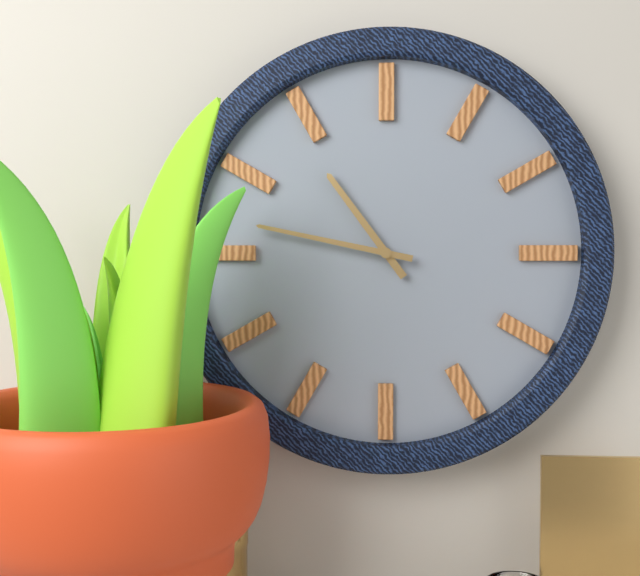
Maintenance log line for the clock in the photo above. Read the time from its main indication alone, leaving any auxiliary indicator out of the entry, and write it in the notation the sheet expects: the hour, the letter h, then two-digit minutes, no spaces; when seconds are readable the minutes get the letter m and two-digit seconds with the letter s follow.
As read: 10h47
